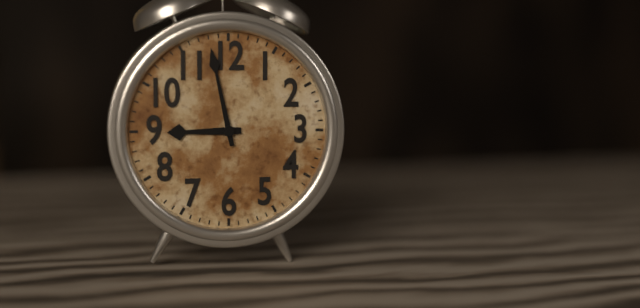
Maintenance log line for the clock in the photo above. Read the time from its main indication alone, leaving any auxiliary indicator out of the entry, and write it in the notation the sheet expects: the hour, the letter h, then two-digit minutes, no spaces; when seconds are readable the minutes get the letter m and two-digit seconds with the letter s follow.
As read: 8h58
